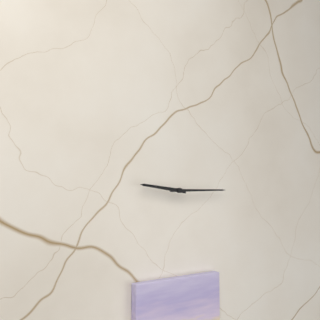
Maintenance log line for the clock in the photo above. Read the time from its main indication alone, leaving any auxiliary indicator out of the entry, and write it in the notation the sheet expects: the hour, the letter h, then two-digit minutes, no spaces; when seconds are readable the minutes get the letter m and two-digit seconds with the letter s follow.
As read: 9h15
